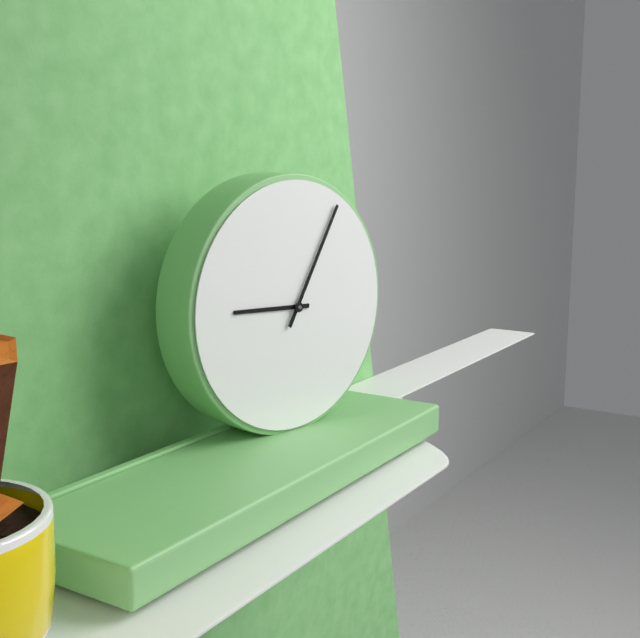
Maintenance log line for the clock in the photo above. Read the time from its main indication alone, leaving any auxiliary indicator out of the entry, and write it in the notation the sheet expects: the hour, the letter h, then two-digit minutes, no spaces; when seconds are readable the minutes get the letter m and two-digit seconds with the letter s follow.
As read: 9h05
